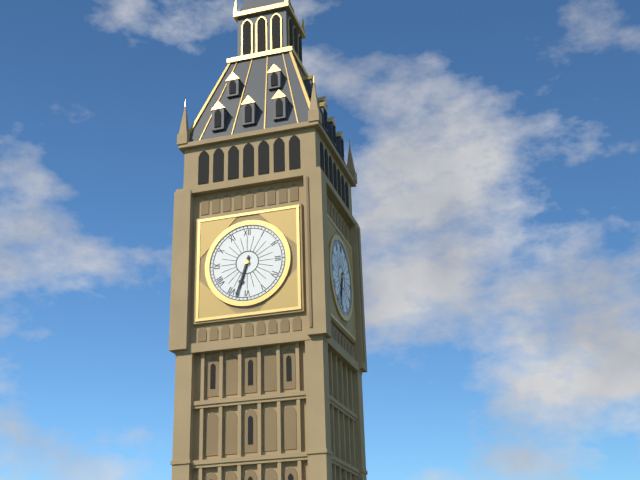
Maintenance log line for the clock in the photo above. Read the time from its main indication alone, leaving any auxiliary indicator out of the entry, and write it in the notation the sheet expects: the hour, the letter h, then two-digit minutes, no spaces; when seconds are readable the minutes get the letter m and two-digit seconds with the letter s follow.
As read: 6h33
